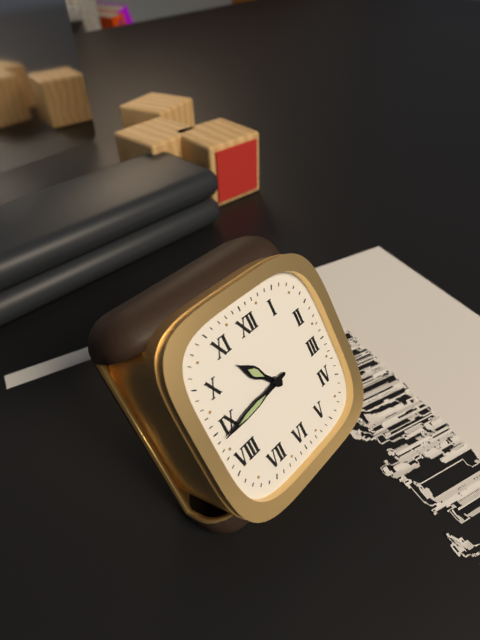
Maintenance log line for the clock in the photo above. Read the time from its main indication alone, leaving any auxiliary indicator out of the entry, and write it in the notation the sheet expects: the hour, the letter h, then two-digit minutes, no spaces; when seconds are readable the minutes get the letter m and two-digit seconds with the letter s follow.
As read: 10h44
